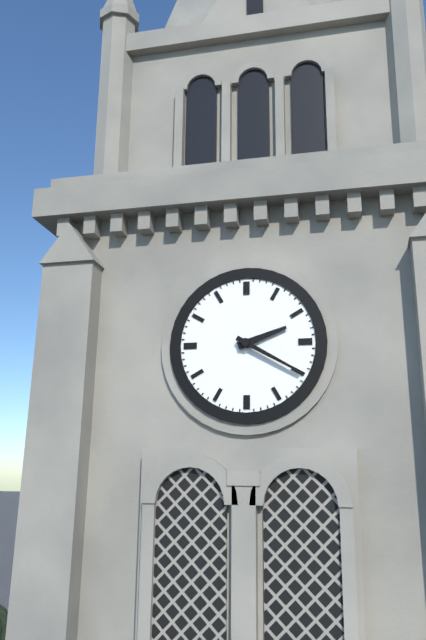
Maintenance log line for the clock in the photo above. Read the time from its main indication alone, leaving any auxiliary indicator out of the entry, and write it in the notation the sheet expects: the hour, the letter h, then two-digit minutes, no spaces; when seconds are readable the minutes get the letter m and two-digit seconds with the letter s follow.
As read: 2h20
